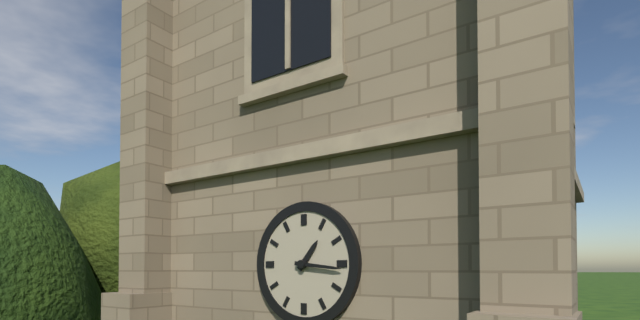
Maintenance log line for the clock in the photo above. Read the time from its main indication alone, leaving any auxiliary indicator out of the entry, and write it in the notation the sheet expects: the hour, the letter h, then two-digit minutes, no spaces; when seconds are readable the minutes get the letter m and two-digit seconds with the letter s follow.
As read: 1h16
